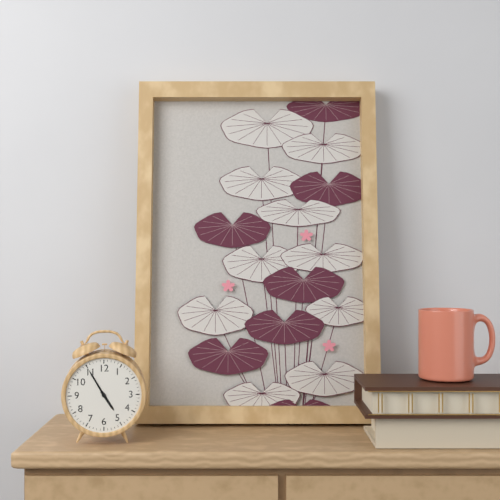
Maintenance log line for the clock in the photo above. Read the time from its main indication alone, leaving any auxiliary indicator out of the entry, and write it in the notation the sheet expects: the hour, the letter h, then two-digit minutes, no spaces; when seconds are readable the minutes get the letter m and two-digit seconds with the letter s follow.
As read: 4h55
